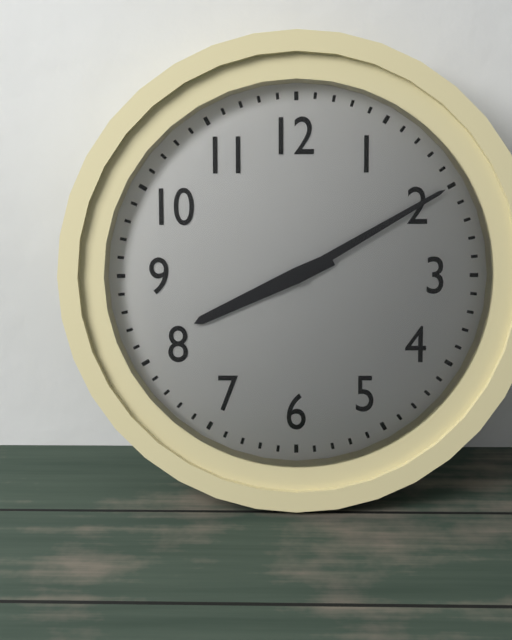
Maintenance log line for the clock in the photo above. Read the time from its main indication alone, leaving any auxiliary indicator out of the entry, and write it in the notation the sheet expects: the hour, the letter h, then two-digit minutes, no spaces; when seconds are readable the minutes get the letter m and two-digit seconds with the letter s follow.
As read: 8h10
